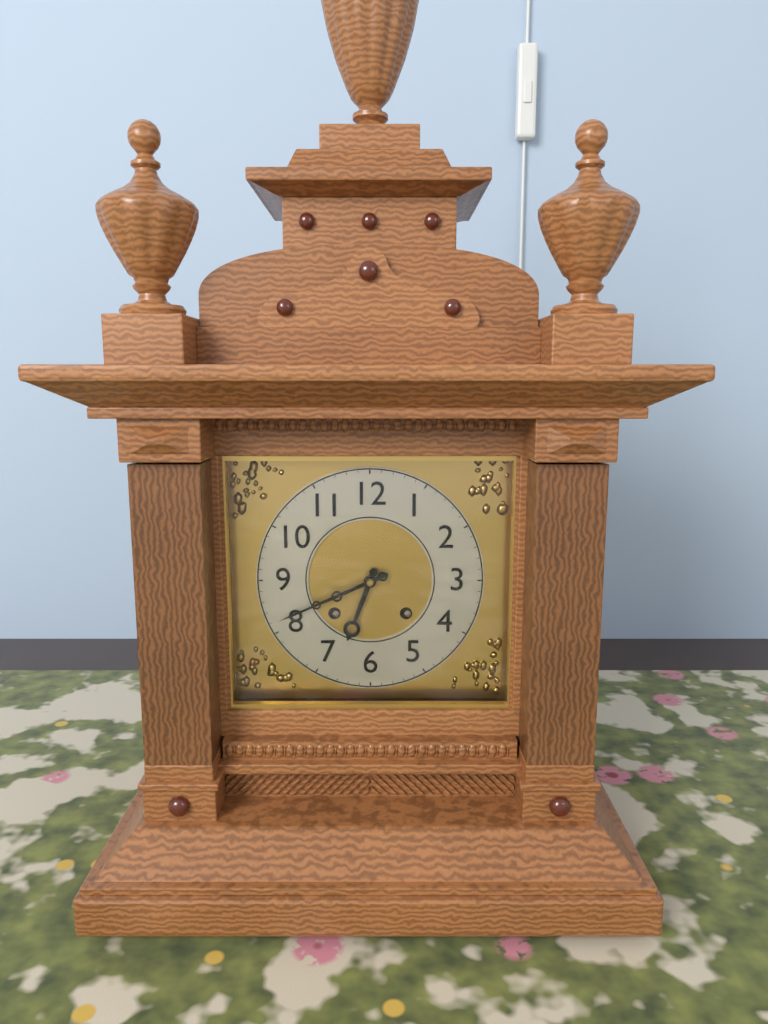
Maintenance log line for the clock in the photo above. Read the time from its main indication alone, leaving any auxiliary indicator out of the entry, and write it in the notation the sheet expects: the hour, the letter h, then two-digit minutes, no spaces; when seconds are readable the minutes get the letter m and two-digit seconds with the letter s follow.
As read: 6h41
